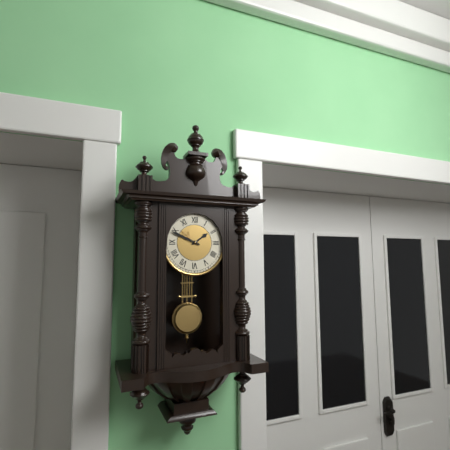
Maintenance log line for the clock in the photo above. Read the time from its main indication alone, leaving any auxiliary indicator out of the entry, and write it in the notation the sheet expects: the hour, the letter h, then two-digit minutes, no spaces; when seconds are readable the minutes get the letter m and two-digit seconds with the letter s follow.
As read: 1h49
